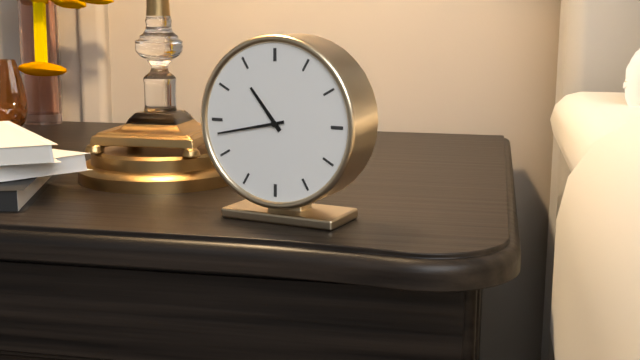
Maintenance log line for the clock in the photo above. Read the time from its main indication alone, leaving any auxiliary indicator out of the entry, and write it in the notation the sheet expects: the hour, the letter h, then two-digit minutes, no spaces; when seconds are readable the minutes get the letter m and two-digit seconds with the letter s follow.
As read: 10h43
